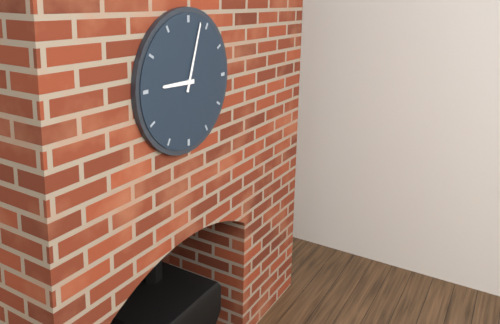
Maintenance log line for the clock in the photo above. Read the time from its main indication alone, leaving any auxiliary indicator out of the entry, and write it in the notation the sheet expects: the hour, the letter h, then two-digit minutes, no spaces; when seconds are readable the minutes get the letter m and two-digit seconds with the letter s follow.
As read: 9h03
